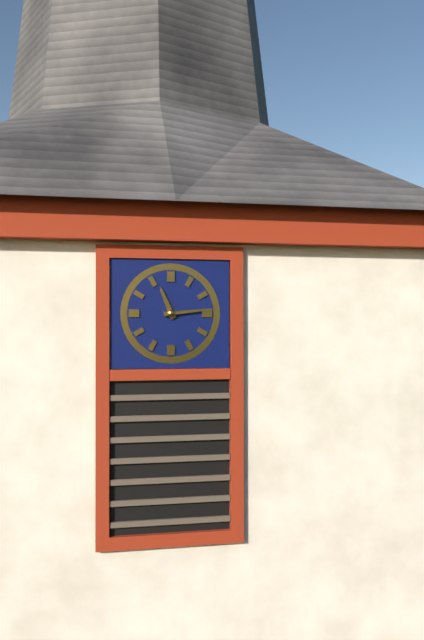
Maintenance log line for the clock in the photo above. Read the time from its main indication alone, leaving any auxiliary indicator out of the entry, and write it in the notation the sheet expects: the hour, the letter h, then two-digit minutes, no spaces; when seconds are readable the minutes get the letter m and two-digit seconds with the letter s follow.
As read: 11h14
